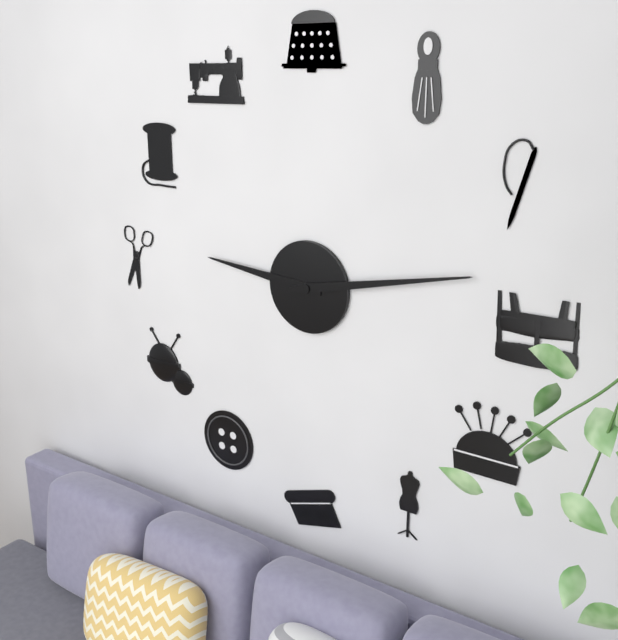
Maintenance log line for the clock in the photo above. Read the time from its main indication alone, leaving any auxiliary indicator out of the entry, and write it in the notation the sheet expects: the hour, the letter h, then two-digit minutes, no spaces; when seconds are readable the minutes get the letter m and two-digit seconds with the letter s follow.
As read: 9h13
